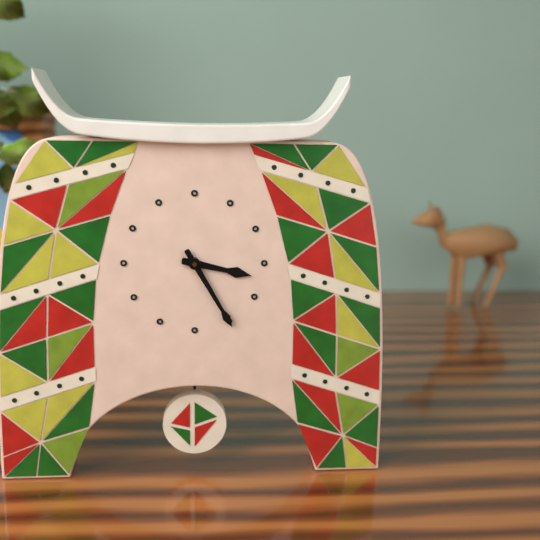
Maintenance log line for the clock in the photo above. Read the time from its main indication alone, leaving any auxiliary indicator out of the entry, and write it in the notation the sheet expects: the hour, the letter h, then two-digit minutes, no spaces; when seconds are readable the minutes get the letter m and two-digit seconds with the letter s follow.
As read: 3h25
